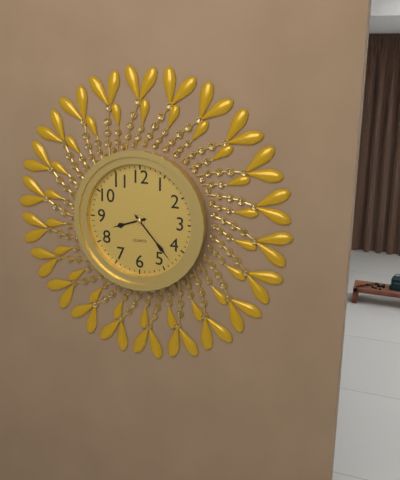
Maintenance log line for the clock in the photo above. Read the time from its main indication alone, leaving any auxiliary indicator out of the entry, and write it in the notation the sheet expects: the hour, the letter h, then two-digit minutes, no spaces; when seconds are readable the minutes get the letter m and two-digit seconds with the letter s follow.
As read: 8h23
